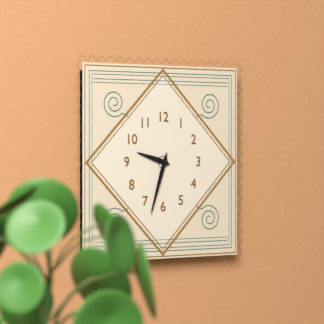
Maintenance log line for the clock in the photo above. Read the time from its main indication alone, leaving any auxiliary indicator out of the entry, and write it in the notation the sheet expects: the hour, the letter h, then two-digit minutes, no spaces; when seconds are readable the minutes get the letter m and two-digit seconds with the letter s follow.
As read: 9h33
